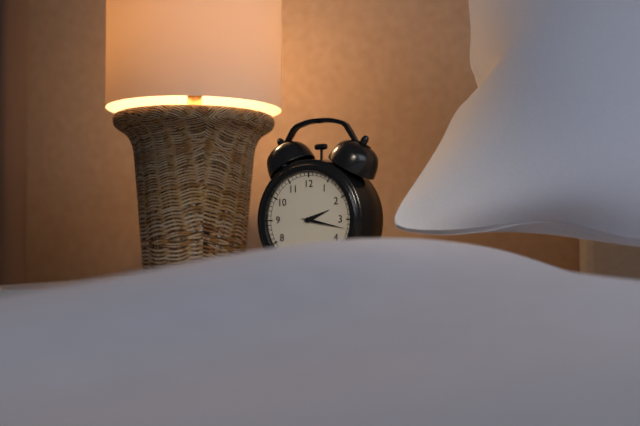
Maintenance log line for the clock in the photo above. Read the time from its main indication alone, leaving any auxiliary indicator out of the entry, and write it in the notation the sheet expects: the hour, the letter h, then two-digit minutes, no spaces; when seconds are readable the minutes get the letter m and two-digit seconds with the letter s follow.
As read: 2h17
